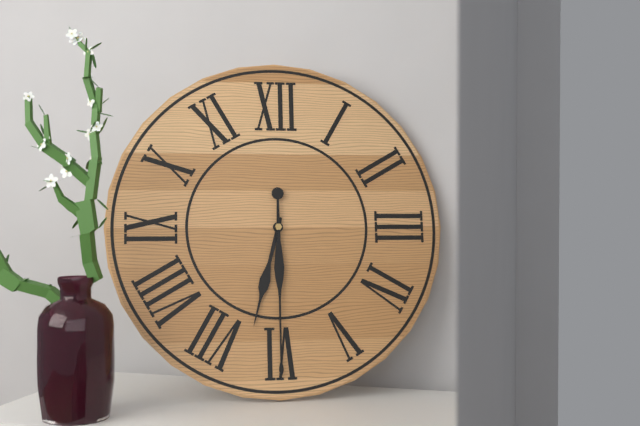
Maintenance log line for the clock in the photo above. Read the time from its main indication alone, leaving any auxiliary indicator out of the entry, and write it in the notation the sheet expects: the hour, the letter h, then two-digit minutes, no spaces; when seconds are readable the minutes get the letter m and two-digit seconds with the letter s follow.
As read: 6h30
